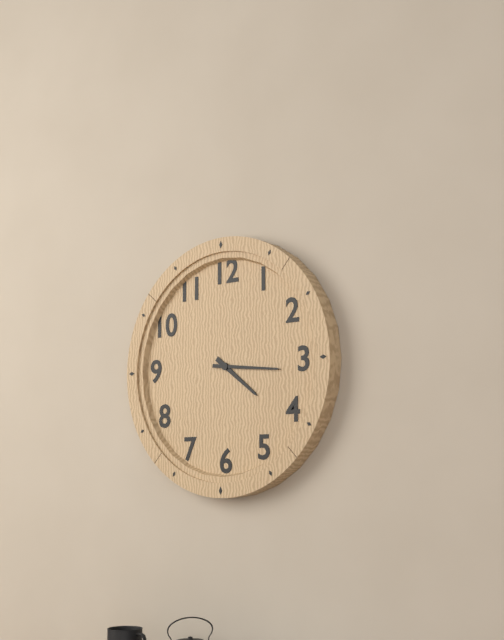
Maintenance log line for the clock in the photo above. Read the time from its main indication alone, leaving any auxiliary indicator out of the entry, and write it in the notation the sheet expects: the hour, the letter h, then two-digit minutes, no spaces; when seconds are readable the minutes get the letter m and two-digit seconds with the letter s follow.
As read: 4h16
